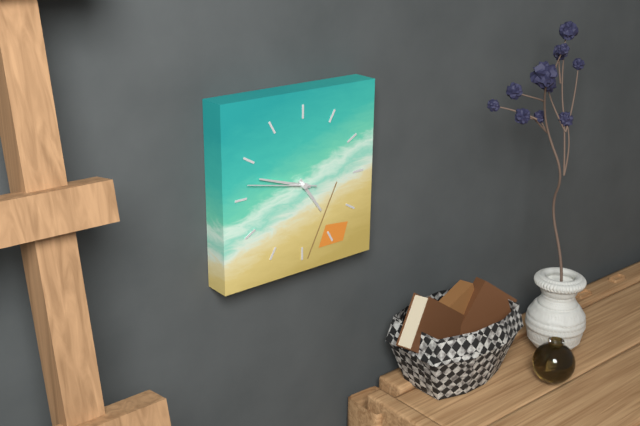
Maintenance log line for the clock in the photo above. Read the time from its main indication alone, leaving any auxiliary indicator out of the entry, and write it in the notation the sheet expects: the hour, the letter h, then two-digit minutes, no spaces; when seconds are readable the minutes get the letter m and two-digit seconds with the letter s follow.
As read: 4h48
